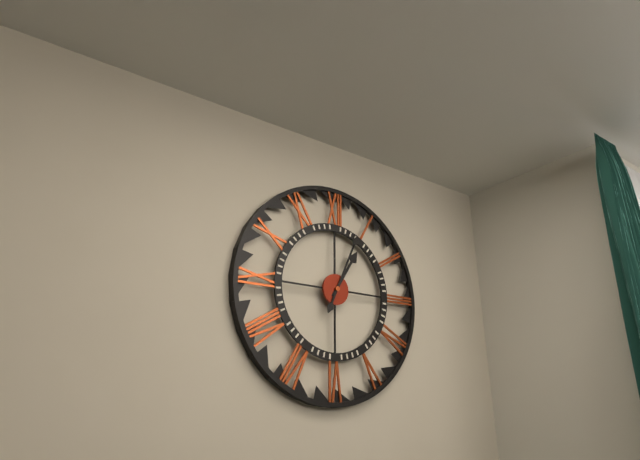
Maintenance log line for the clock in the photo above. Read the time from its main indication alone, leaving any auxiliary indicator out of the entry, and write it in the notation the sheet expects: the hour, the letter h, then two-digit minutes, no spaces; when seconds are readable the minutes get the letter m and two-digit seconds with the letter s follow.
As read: 1h04
